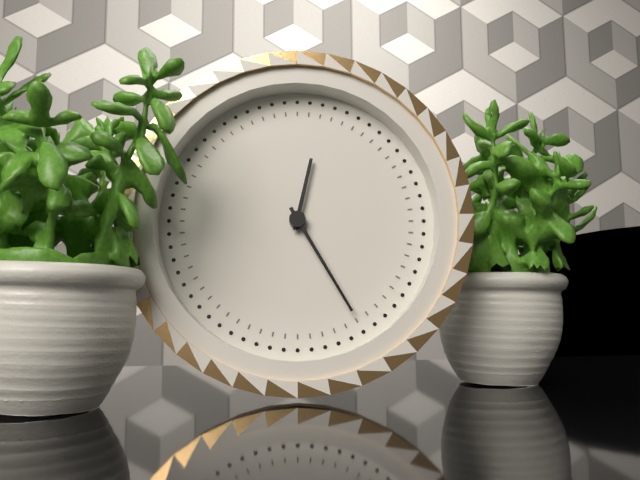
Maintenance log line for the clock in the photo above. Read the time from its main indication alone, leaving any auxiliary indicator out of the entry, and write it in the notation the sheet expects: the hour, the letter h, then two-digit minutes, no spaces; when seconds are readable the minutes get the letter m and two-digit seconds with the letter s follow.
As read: 12h25
